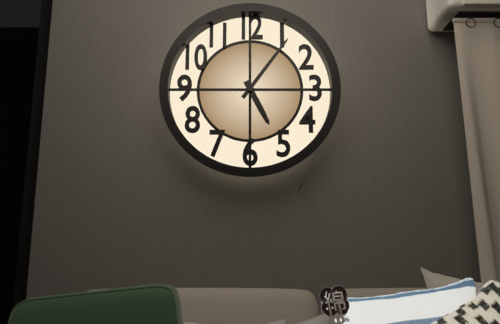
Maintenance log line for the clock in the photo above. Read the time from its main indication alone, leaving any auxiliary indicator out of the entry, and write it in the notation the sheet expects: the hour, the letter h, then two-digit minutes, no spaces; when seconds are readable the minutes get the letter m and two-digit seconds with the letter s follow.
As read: 5h06
